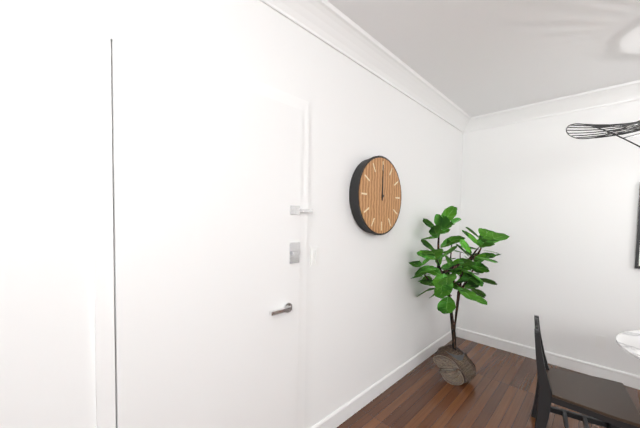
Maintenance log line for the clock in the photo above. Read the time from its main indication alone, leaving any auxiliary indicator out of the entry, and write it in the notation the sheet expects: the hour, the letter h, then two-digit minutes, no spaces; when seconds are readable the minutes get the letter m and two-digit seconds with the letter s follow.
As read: 12h00
